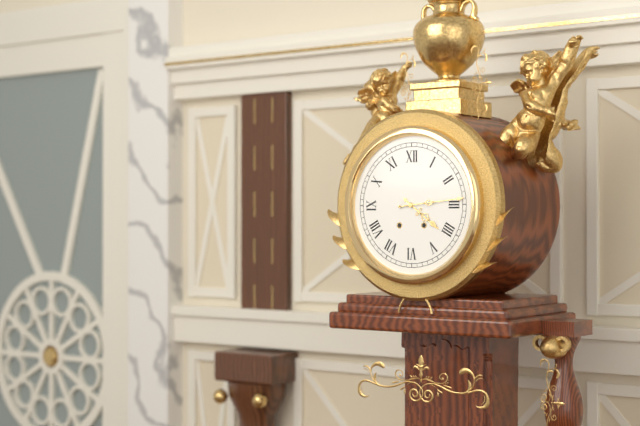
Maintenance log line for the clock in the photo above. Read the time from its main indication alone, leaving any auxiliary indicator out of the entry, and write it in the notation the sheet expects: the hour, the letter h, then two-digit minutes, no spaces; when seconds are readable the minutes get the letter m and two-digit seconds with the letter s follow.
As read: 4h14
